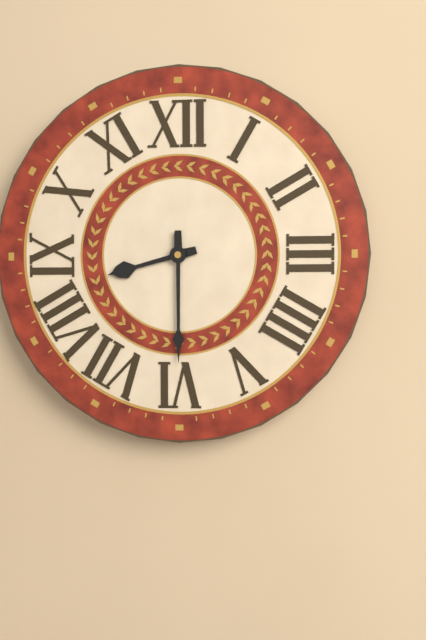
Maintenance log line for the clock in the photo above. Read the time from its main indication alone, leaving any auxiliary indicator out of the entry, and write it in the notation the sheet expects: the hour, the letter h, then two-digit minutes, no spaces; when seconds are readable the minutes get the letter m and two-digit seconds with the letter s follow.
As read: 8h30
